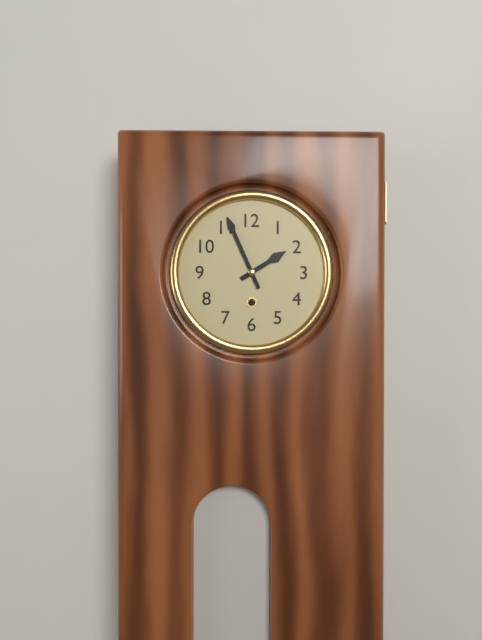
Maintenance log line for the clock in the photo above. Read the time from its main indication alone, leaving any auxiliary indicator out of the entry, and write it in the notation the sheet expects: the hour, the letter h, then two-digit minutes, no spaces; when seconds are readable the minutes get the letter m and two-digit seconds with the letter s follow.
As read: 1h56
